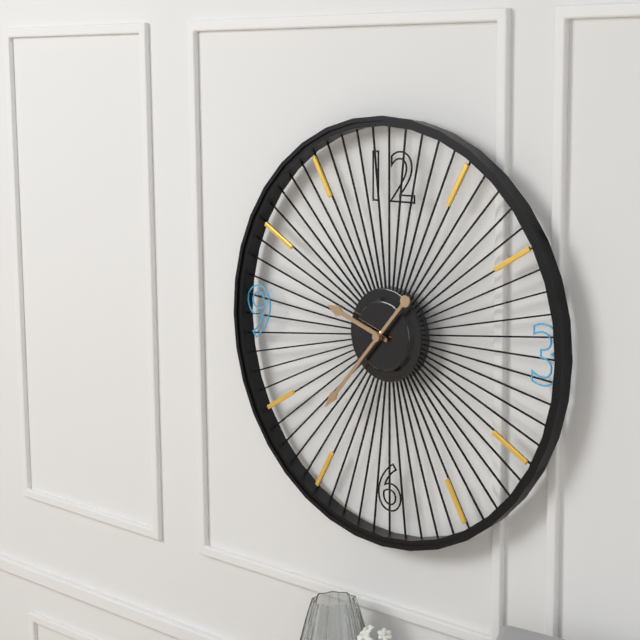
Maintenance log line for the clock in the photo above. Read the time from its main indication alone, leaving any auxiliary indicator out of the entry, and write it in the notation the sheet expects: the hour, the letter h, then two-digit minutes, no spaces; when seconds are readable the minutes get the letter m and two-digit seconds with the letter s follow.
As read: 9h37
